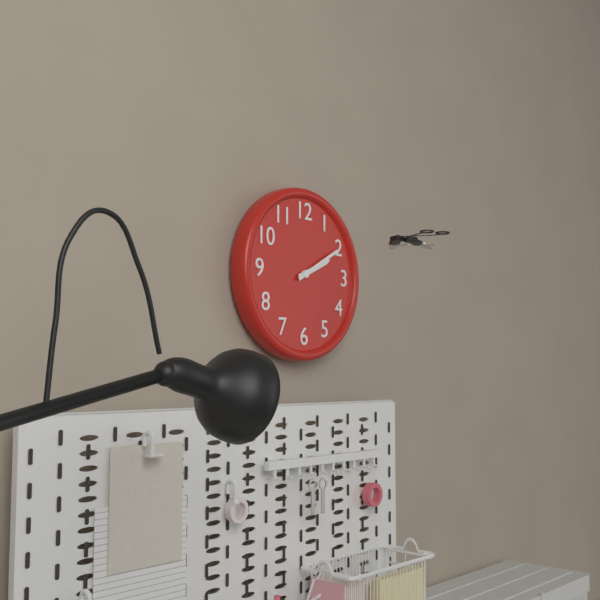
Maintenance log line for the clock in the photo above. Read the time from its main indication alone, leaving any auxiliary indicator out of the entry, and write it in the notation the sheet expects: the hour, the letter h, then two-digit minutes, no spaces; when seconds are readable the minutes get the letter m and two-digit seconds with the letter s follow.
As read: 2h10
